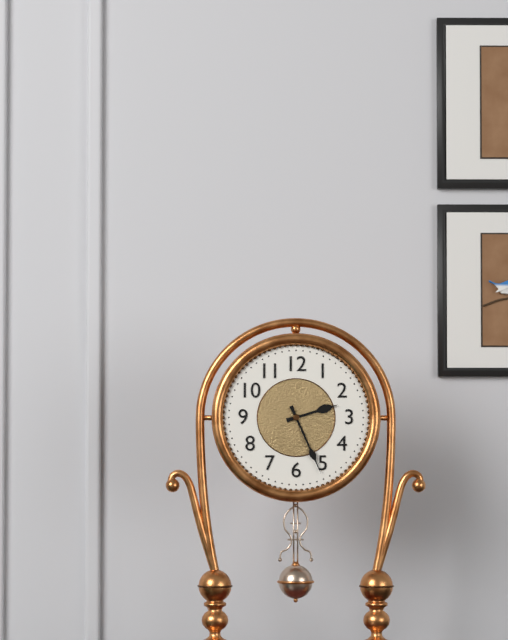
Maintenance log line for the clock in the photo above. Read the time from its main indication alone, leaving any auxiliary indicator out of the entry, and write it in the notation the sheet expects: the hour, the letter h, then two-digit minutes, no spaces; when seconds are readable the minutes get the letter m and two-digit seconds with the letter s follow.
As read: 2h26
